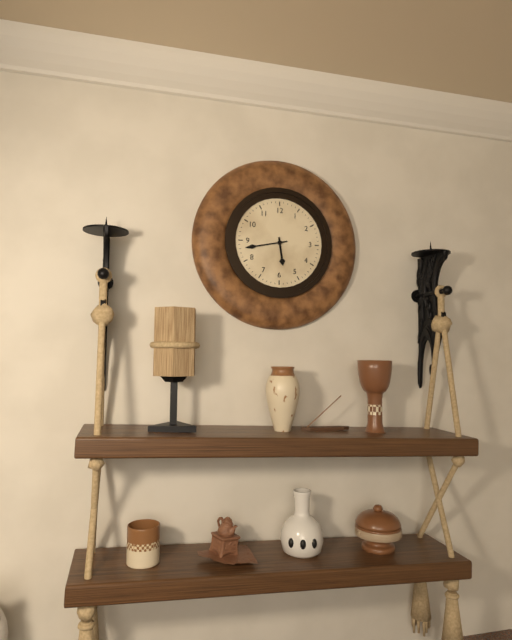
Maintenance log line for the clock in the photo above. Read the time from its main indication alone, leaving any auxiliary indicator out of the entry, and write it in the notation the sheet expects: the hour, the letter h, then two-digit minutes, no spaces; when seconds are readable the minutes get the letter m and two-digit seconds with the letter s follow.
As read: 5h43
